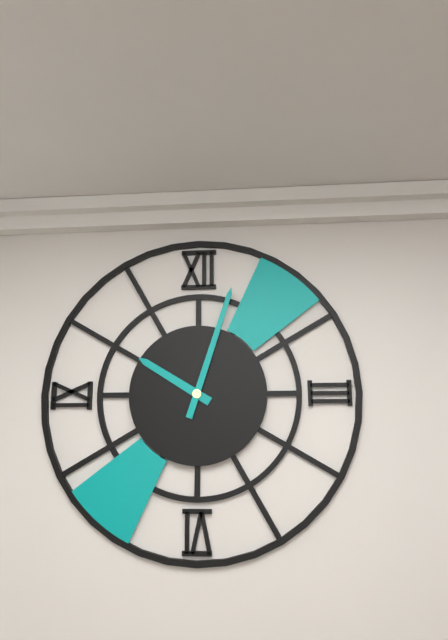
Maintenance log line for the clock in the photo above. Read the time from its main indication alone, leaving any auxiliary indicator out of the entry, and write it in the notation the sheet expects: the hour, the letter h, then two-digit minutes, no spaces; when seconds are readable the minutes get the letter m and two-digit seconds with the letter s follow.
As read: 10h03
